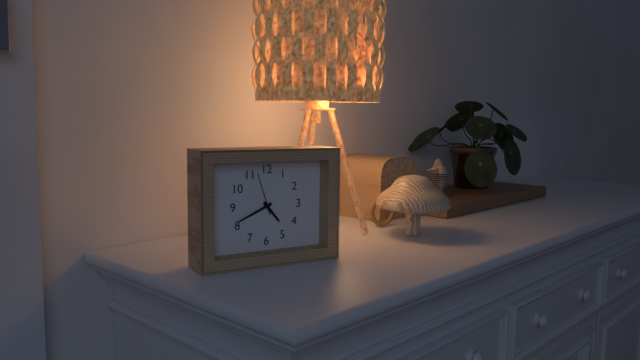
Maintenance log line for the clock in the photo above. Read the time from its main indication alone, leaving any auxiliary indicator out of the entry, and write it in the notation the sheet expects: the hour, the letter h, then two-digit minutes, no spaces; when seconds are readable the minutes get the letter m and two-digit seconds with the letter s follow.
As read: 4h41
